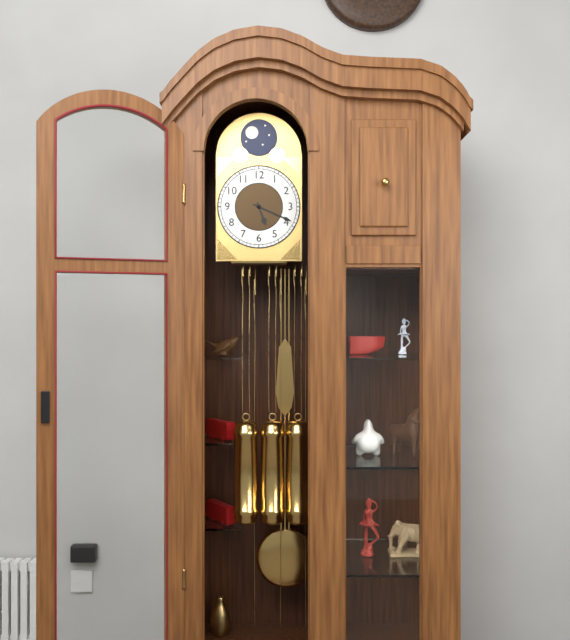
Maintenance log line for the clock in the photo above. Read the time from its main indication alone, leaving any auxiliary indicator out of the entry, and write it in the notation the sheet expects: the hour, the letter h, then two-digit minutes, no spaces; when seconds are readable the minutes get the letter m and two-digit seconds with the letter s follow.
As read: 5h19
